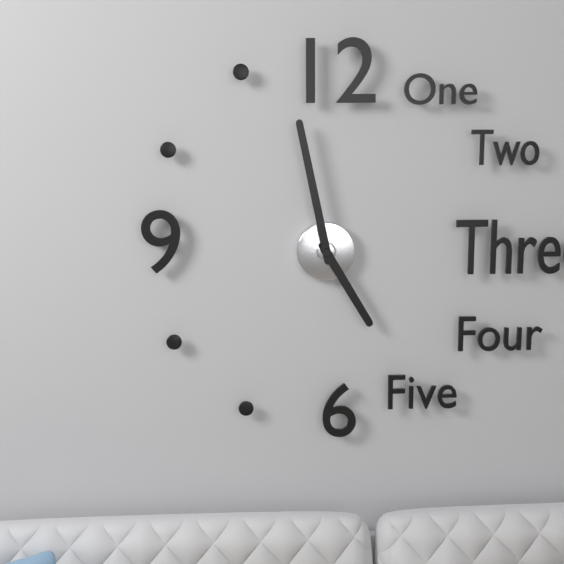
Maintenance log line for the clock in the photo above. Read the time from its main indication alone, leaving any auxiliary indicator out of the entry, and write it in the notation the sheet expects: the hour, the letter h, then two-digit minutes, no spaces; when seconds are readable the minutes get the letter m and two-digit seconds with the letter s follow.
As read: 4h58
